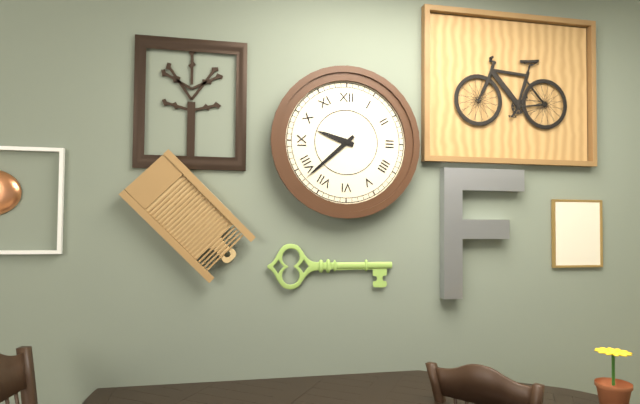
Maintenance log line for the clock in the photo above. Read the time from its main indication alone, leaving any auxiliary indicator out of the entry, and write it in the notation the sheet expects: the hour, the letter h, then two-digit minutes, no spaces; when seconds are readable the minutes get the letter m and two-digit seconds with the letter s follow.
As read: 9h38
